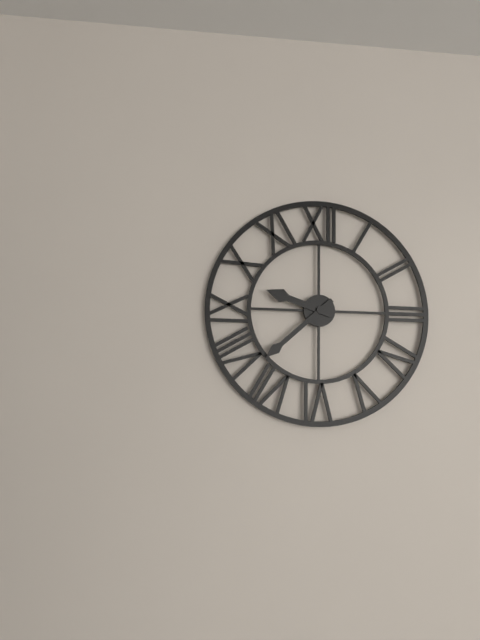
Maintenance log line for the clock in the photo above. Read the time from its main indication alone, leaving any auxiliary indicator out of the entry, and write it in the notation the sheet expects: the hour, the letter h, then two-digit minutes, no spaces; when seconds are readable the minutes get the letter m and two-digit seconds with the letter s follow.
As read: 9h38
